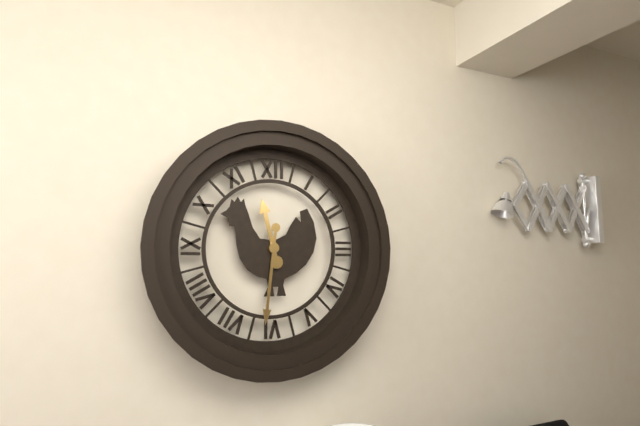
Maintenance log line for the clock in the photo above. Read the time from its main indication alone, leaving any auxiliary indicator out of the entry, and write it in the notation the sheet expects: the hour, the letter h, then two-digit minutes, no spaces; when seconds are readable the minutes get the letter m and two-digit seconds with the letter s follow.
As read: 11h31
